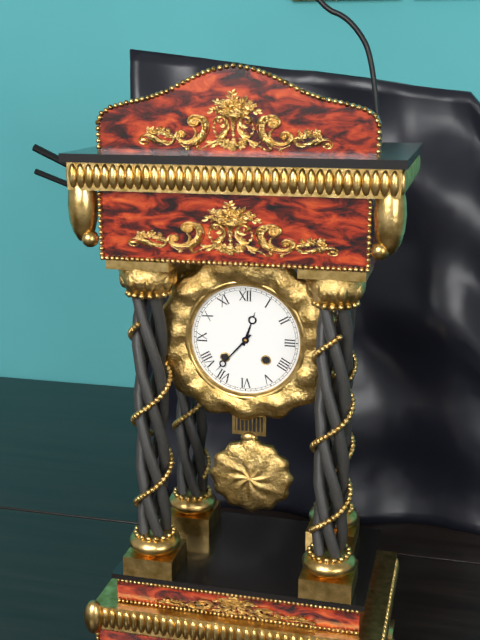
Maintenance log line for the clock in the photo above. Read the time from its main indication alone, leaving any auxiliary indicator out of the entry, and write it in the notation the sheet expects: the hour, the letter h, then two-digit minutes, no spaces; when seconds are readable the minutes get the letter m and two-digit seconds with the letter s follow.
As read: 12h37
